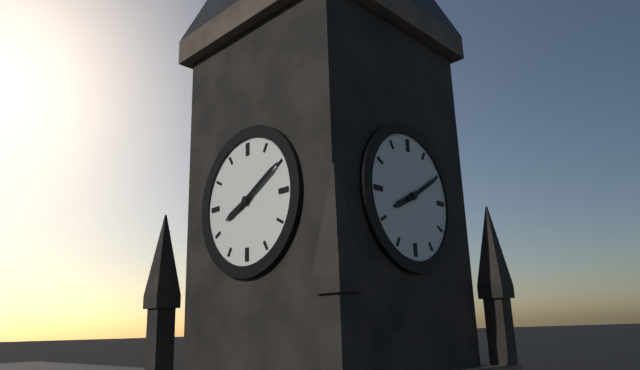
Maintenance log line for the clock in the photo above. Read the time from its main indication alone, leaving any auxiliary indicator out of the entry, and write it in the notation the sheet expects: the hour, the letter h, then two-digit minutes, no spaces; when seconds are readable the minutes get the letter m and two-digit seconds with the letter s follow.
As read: 8h10
